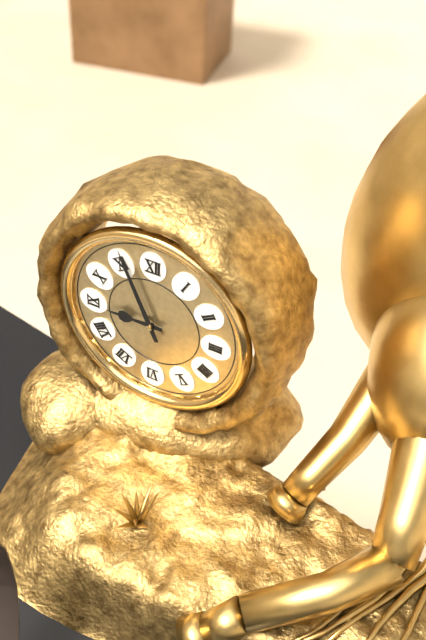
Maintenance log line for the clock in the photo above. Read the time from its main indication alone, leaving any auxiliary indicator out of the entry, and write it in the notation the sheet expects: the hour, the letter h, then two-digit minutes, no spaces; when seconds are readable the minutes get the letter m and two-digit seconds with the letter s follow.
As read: 8h56
